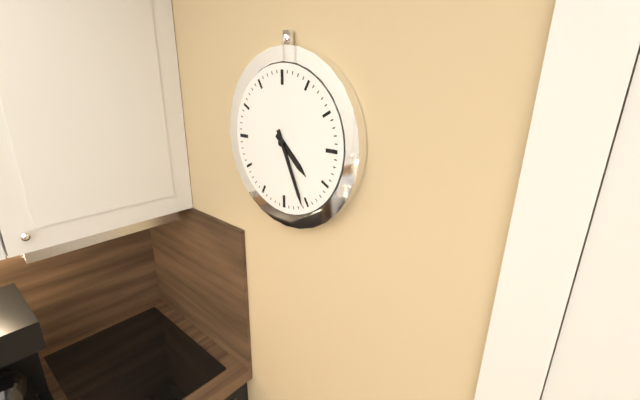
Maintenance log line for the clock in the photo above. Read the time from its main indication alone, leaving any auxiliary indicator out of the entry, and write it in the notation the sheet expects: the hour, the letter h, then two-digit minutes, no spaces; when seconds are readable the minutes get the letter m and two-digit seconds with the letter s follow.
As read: 4h26
